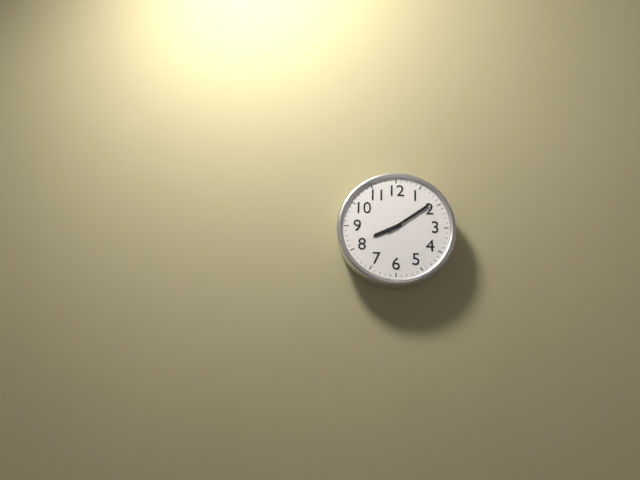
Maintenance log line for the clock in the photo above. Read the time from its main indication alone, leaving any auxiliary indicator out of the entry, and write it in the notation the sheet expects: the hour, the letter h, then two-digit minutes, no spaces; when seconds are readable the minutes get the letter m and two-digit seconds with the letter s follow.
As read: 8h09
